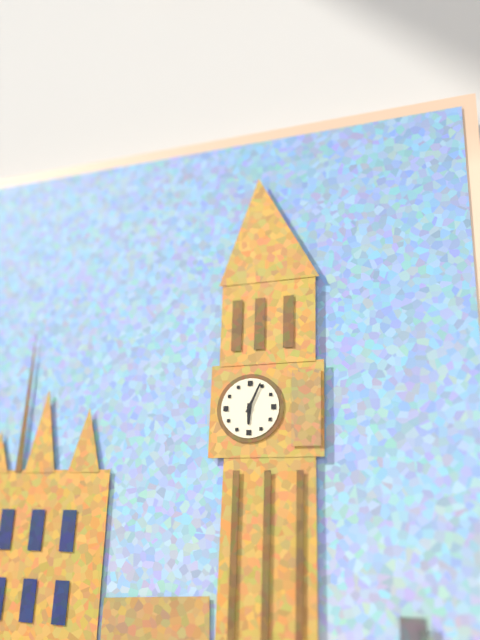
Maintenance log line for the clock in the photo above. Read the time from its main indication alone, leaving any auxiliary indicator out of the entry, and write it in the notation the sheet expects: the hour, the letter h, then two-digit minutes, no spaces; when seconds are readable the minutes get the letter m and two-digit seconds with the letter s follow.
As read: 6h04
